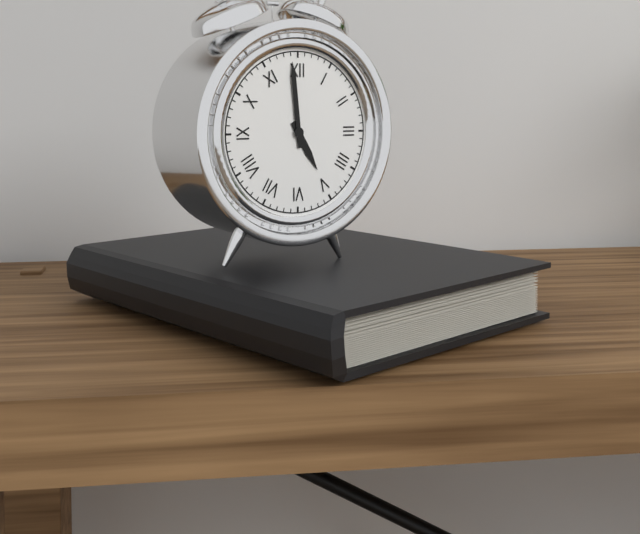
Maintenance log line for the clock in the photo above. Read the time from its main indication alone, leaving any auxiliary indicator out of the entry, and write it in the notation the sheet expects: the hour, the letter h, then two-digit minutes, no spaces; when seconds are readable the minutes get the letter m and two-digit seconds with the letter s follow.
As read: 4h59
